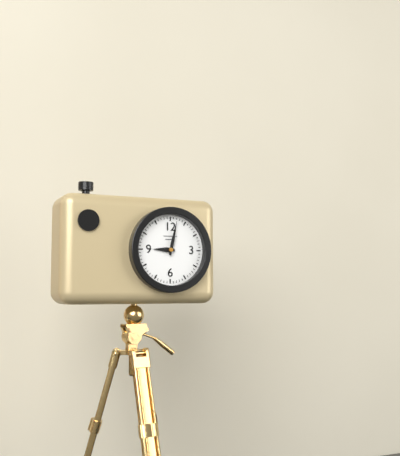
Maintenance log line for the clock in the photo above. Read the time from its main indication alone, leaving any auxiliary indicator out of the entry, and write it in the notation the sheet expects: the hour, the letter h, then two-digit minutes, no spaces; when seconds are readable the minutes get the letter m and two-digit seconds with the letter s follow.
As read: 9h02
